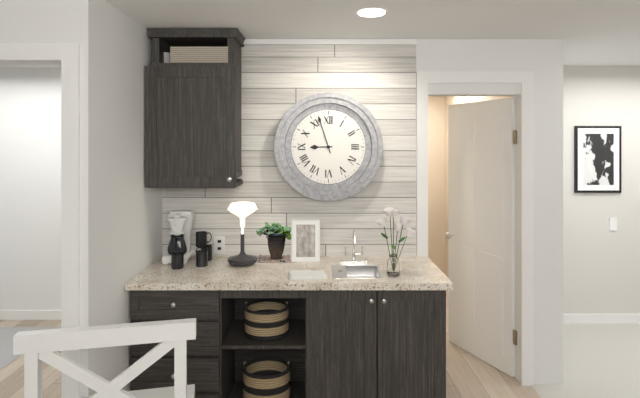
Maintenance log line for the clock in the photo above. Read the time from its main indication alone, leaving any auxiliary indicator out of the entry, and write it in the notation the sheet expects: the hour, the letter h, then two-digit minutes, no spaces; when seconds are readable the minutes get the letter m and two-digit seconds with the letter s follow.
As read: 8h57
